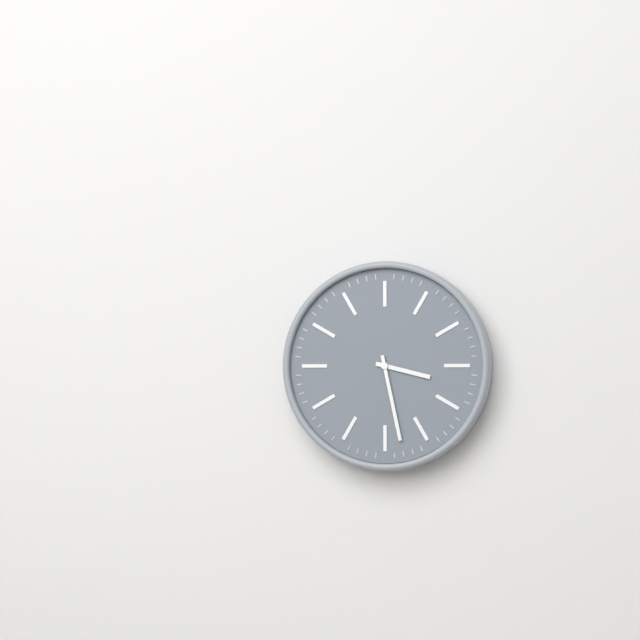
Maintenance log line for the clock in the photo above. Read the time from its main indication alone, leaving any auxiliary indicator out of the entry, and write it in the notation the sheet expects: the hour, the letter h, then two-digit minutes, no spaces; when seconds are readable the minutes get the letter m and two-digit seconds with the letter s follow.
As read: 3h28
